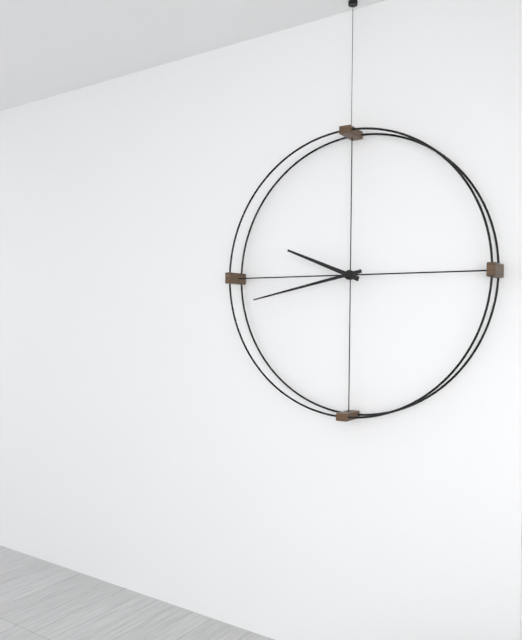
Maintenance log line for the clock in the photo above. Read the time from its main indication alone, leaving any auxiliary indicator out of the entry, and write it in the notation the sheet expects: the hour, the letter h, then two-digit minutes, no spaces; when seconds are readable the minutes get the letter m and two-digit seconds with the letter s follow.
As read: 9h43
